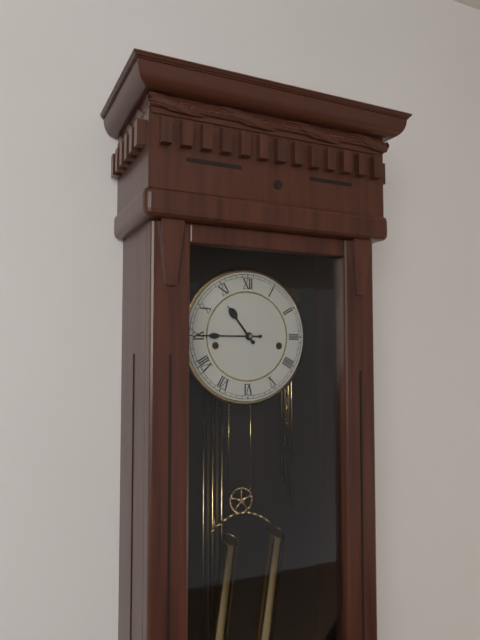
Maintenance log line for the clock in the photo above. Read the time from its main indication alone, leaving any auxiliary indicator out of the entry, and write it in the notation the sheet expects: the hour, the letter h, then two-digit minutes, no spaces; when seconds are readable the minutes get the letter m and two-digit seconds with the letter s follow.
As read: 10h45
